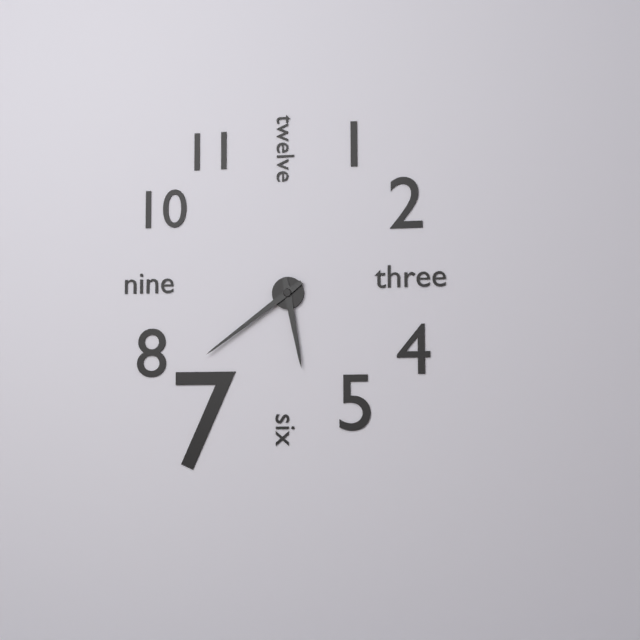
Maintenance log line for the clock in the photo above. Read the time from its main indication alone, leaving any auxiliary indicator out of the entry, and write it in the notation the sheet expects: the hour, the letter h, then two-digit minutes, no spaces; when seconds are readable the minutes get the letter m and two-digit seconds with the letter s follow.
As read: 5h39
